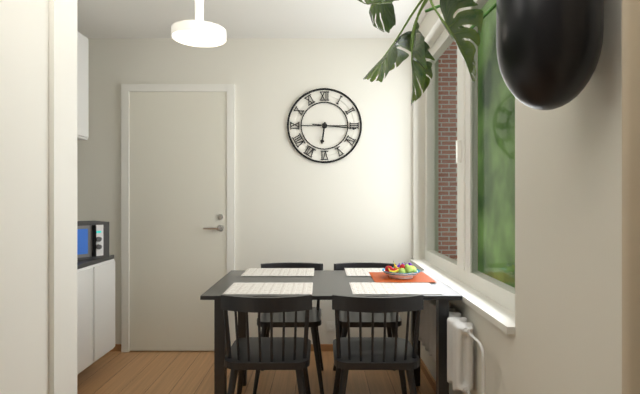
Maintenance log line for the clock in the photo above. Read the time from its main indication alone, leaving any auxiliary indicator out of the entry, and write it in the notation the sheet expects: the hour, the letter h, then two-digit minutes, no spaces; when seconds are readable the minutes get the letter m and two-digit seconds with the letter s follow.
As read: 6h16
